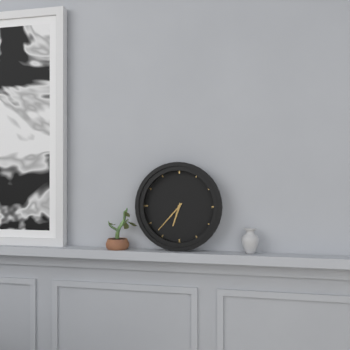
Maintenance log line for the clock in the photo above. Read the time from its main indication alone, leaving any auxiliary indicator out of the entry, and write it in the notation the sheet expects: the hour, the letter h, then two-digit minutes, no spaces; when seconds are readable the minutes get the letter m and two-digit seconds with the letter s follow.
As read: 6h37
